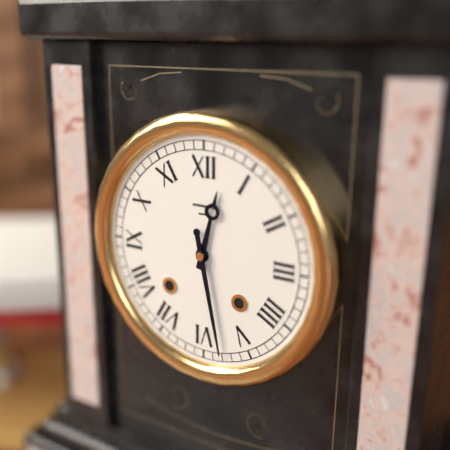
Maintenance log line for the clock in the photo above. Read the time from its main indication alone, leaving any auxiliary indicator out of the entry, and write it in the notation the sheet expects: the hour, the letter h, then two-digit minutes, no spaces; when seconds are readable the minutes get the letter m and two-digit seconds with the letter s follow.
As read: 12h28
